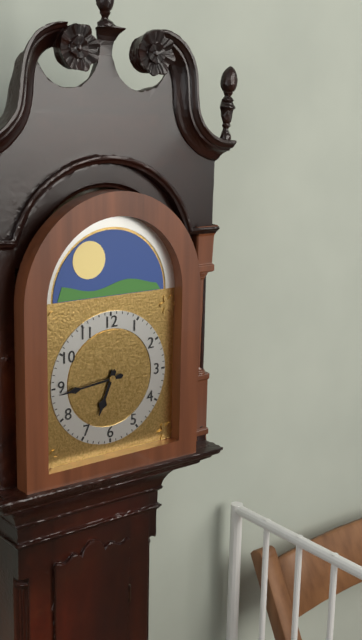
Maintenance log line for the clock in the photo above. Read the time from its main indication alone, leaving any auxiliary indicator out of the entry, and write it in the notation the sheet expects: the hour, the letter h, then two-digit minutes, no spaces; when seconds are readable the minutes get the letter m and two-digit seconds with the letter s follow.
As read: 6h44
